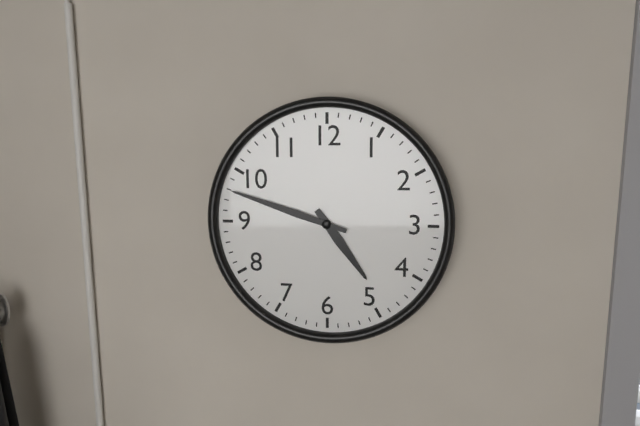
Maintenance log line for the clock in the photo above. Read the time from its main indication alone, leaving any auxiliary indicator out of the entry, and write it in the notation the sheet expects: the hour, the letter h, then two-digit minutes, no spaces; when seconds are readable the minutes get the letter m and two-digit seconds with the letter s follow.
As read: 4h48
